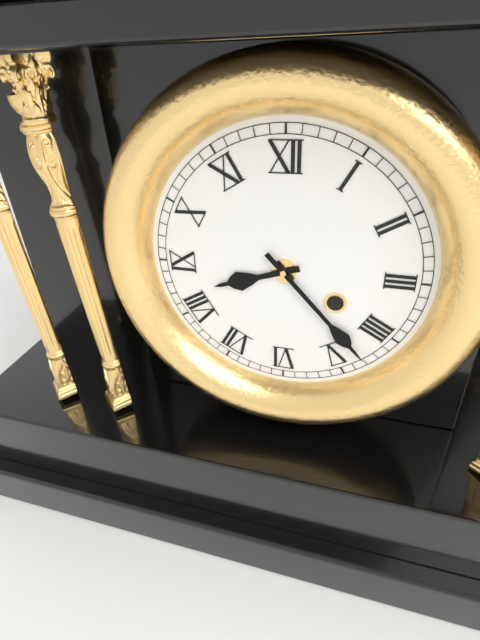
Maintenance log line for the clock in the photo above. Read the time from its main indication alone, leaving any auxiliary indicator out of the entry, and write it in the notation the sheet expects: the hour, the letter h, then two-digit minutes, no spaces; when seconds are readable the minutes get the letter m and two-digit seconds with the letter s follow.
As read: 8h23
